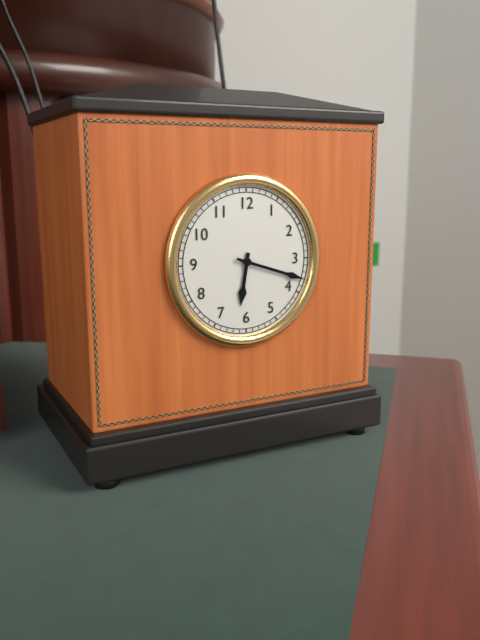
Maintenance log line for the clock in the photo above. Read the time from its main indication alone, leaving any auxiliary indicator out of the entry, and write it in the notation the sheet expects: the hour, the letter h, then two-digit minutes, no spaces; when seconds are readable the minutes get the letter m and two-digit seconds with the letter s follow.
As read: 6h18
